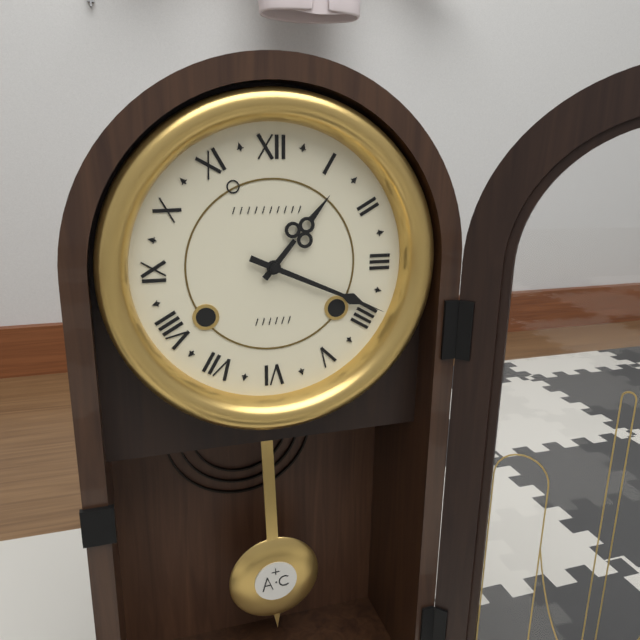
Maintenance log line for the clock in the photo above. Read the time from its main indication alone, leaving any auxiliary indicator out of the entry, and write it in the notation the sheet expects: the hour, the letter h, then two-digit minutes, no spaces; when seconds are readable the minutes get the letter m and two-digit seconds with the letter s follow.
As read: 1h19
